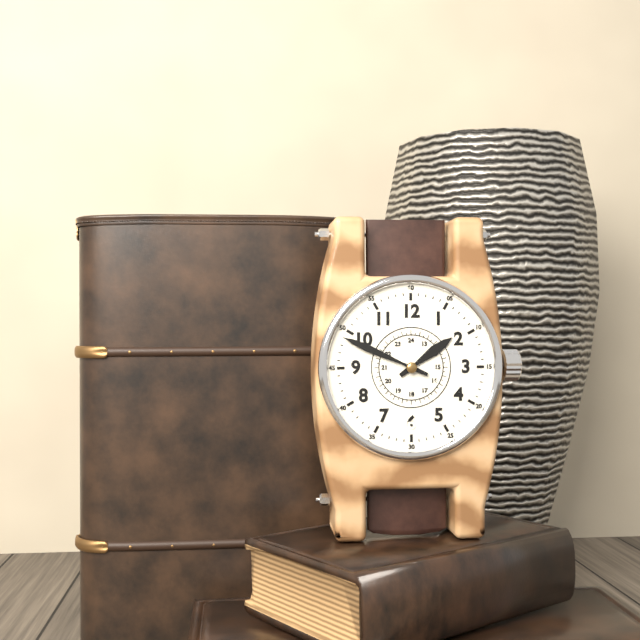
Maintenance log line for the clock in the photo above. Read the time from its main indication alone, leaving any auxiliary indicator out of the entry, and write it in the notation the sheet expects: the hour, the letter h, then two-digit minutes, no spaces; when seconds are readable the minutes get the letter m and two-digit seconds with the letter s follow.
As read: 1h49
